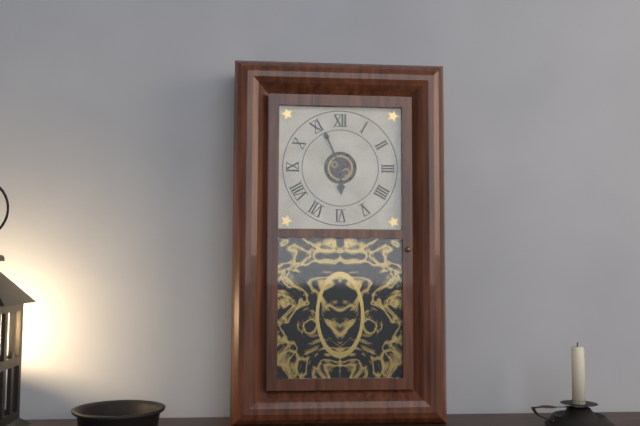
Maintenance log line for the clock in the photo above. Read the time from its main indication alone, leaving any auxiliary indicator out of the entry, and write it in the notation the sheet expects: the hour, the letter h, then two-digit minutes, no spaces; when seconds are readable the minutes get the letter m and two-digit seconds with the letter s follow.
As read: 5h56
